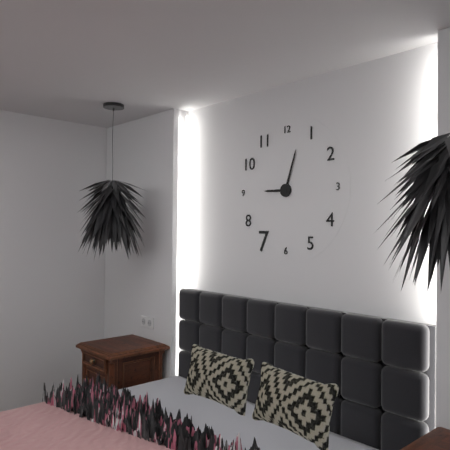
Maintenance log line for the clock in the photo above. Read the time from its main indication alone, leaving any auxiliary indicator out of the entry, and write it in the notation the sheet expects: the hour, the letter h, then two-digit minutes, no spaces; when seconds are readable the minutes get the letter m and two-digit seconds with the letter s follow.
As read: 9h03
